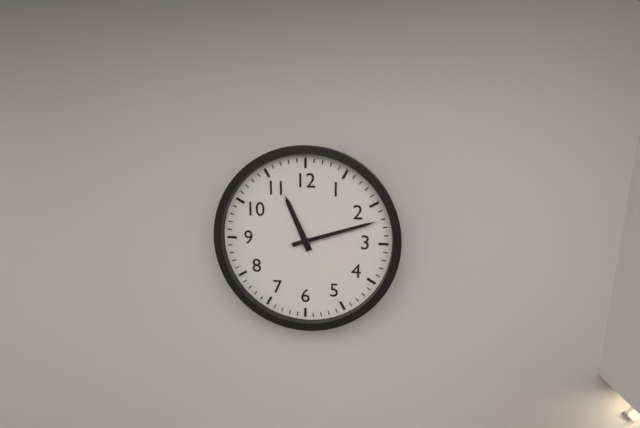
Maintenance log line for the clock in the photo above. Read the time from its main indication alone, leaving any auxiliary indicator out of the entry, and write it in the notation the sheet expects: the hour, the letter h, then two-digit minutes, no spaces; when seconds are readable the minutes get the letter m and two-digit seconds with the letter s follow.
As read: 11h12
